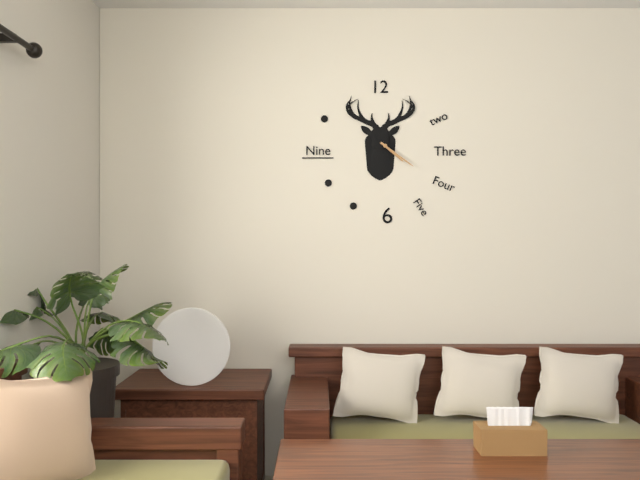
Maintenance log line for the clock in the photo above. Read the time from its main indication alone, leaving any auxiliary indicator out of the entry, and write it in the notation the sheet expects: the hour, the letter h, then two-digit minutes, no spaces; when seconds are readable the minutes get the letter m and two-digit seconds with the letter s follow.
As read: 4h21
